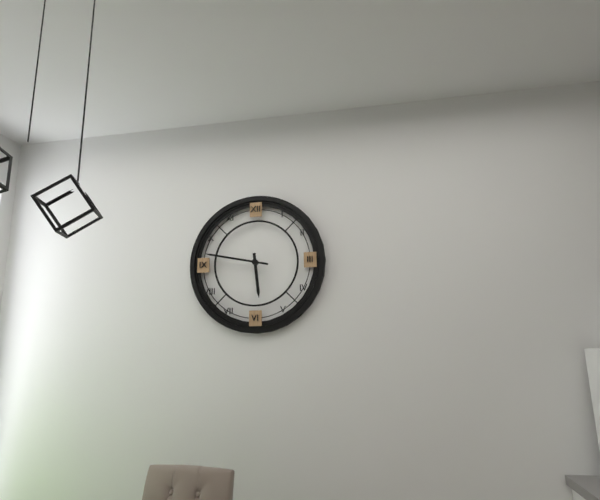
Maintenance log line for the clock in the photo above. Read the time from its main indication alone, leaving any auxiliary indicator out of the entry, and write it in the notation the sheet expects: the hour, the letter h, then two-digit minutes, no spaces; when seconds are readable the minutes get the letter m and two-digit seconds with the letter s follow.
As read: 5h47
